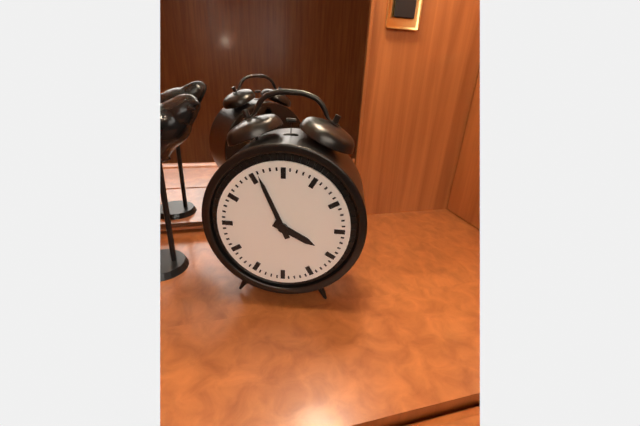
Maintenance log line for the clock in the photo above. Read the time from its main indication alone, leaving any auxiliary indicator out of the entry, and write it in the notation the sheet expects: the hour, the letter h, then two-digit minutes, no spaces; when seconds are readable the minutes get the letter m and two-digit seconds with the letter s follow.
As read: 3h56
